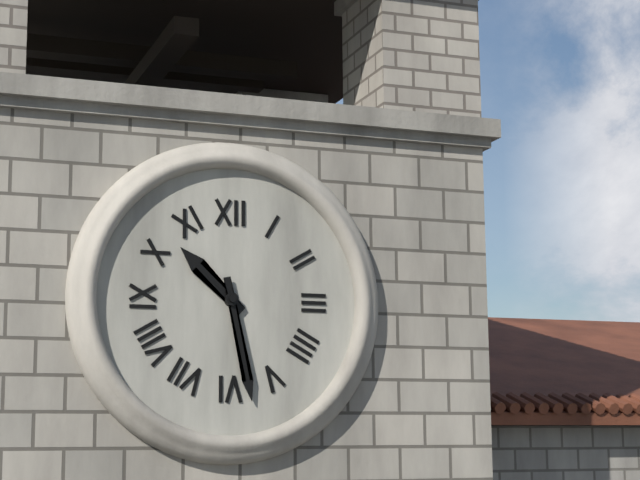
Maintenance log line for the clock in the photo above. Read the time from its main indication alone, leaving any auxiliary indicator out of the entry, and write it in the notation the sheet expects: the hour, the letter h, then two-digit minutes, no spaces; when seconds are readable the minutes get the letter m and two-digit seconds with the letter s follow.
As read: 10h28
